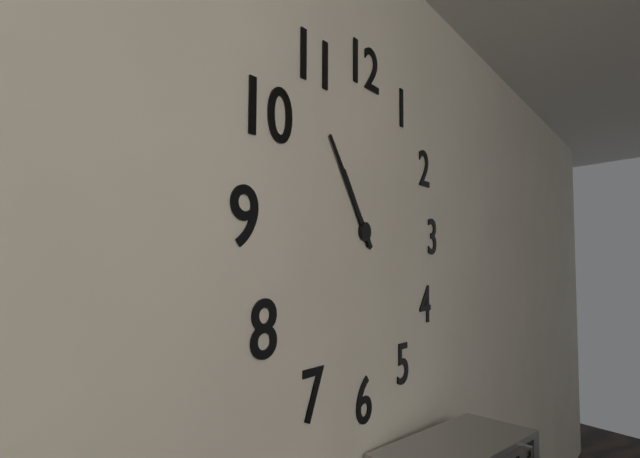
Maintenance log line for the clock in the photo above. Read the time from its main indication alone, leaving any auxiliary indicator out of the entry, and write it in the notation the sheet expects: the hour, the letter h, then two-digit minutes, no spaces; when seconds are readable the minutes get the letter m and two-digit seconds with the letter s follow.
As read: 10h54
